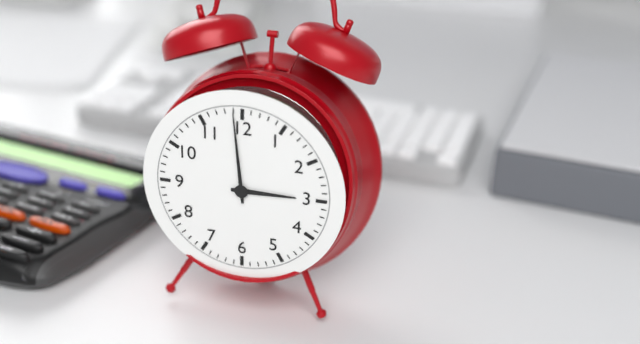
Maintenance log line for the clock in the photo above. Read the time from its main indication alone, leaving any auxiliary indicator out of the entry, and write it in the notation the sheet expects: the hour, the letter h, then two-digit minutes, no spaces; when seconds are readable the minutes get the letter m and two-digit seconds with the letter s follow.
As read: 2h59
